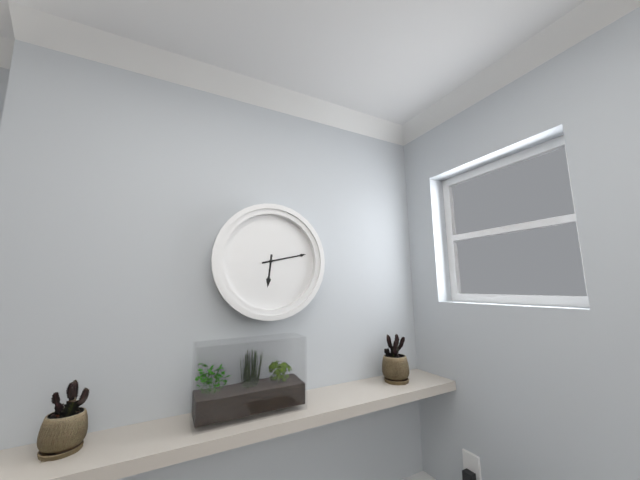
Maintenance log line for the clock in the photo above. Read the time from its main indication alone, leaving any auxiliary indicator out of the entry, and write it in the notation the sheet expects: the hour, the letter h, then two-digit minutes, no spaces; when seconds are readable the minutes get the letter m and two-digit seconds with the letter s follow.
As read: 6h13
